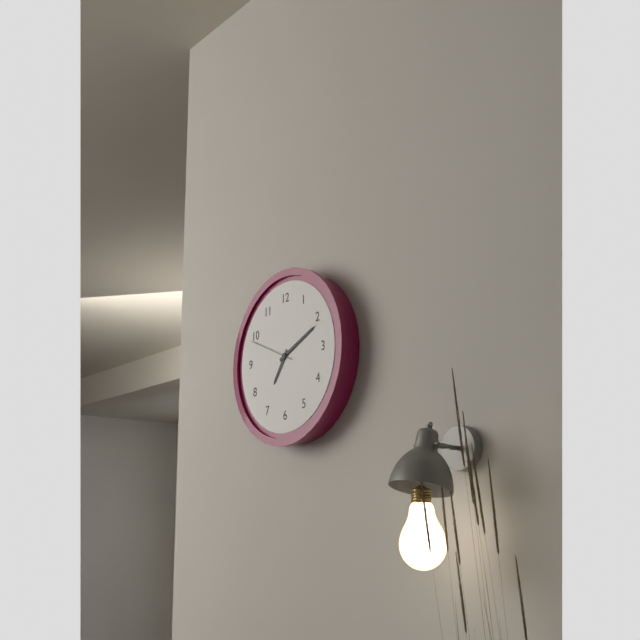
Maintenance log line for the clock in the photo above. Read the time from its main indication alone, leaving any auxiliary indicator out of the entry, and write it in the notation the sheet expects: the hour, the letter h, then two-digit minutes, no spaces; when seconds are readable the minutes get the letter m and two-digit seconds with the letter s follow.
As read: 7h11
